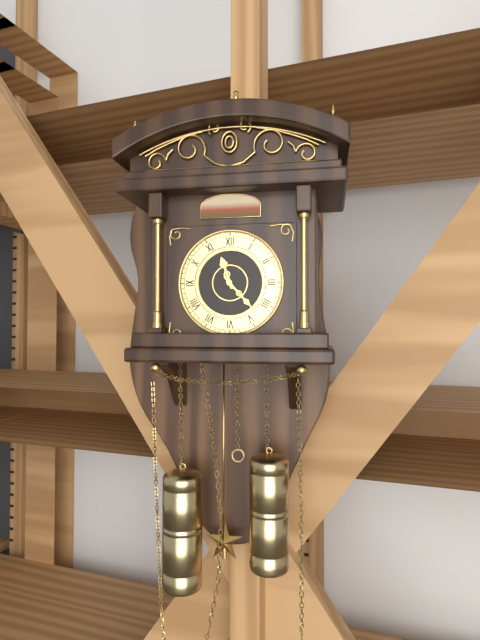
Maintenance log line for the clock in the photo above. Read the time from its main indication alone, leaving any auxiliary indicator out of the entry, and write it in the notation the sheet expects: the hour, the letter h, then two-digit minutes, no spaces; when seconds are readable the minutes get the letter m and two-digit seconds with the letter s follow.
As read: 11h23
